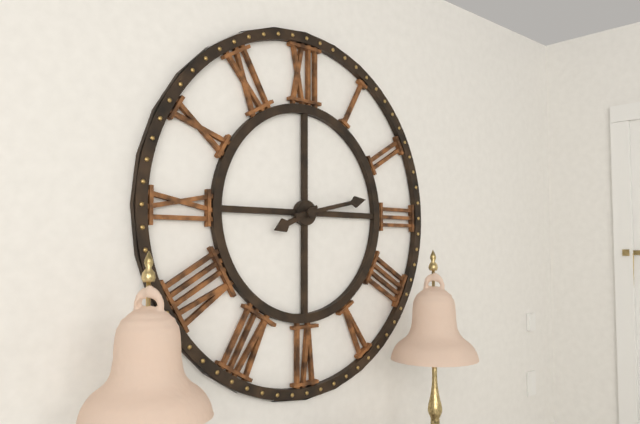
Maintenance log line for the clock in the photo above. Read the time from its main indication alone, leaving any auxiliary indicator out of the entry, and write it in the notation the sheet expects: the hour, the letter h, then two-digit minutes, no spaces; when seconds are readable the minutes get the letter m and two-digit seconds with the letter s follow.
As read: 8h13
